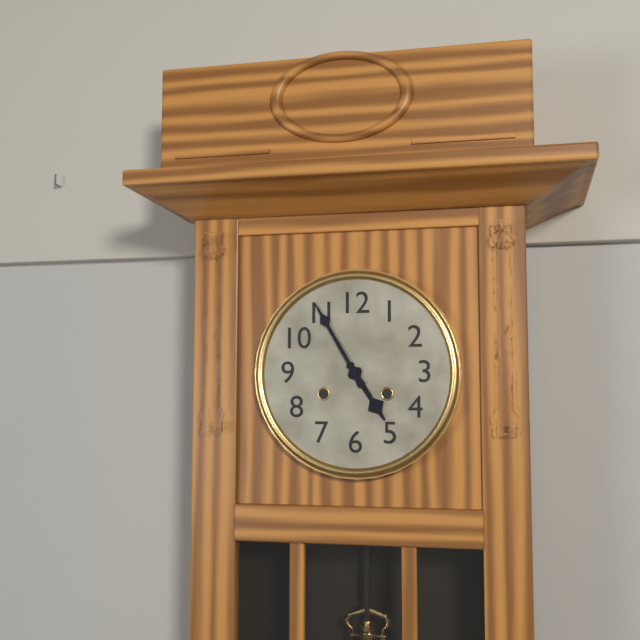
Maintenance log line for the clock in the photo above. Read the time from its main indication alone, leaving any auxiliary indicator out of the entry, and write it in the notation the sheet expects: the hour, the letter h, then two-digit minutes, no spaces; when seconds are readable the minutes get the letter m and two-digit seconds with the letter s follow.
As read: 4h55
